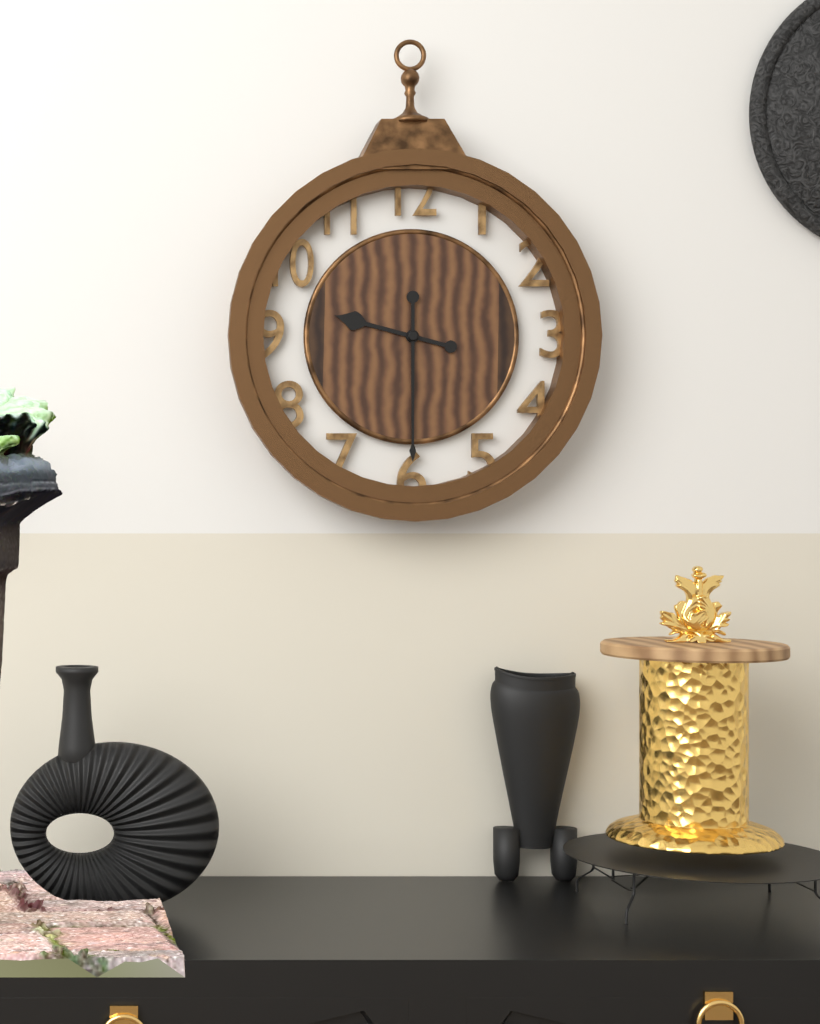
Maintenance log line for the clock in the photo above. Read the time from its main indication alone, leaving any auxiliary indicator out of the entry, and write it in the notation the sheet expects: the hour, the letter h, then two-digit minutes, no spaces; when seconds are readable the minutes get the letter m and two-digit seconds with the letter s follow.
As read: 9h30
